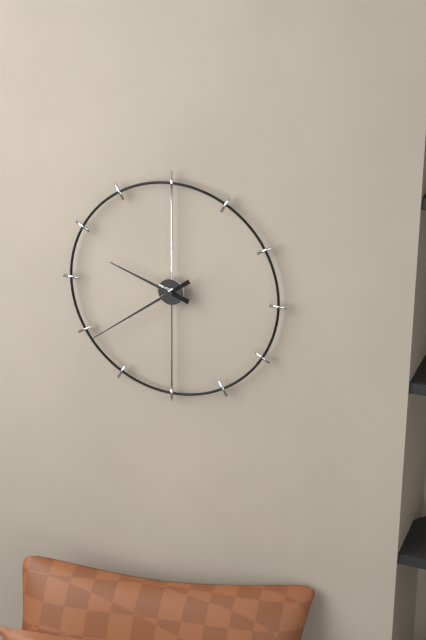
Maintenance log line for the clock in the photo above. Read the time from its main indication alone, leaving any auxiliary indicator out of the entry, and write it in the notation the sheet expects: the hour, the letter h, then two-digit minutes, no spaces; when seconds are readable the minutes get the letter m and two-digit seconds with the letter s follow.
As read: 9h39
